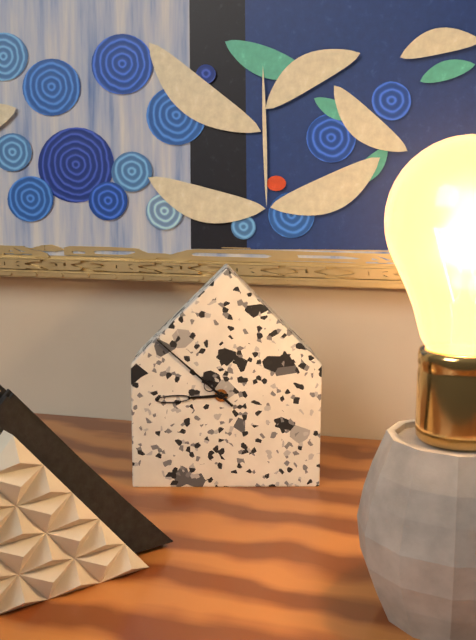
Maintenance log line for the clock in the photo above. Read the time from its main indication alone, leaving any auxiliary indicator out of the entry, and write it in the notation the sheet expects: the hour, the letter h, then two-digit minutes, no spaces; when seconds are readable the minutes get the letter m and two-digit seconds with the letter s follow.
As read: 8h52
